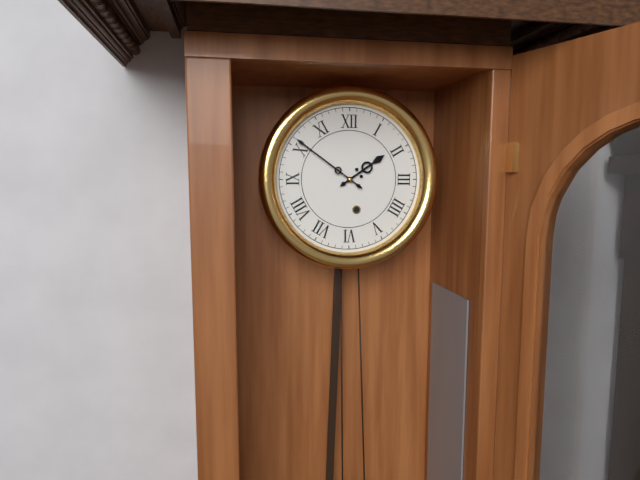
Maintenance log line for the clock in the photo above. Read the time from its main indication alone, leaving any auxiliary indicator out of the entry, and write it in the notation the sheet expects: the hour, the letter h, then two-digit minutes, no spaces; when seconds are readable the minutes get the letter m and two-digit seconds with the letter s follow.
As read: 1h51
